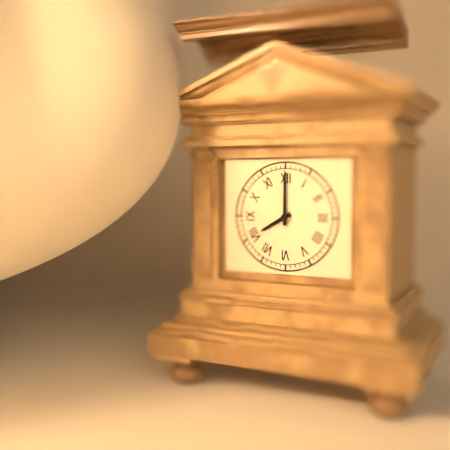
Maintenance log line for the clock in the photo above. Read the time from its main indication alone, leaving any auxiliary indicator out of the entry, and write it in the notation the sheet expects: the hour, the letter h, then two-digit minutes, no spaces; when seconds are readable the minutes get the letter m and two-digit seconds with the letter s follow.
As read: 8h00
